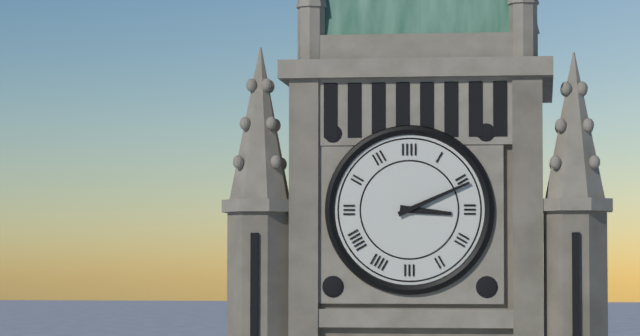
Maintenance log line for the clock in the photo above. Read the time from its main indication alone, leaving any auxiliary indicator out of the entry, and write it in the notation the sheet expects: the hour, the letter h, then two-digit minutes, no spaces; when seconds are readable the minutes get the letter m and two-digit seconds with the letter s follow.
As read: 3h11
